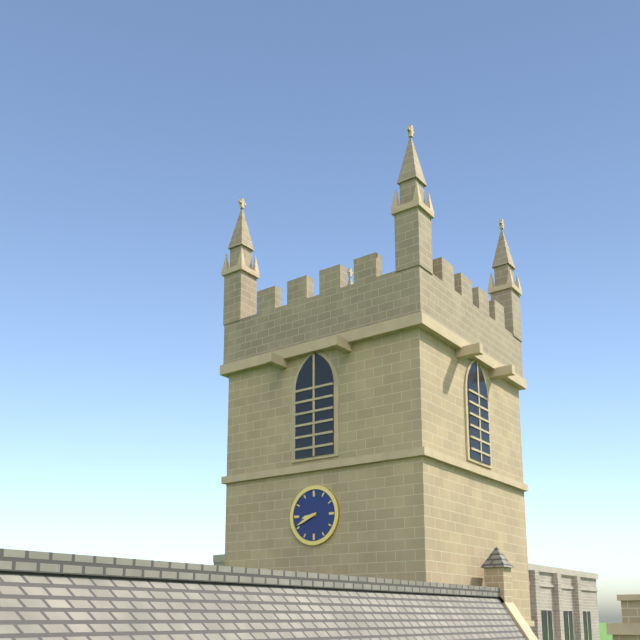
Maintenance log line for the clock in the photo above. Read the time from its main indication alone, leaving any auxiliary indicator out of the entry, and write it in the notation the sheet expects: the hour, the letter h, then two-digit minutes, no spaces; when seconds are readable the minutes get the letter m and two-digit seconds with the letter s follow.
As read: 8h41
